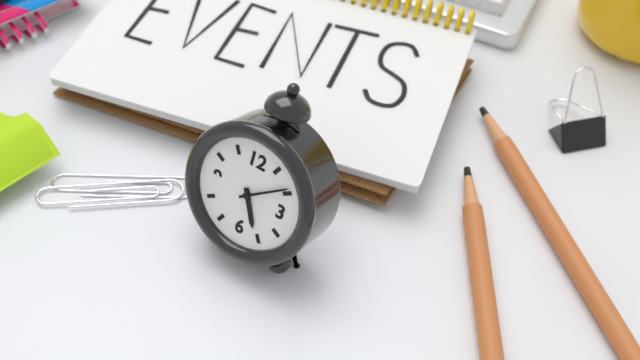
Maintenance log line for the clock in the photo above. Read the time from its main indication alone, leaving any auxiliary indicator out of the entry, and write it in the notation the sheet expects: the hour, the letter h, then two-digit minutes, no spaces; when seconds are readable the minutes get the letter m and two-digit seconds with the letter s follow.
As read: 5h09
